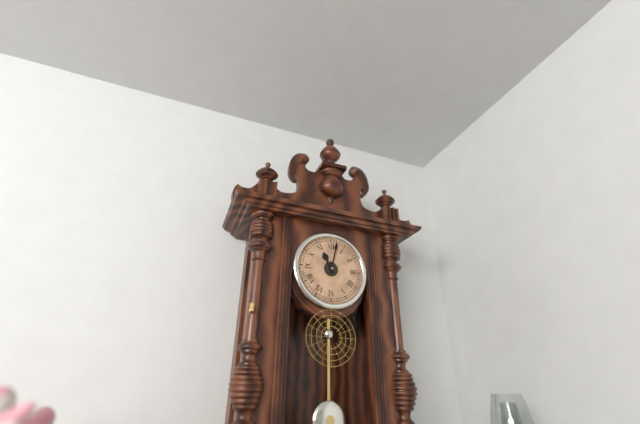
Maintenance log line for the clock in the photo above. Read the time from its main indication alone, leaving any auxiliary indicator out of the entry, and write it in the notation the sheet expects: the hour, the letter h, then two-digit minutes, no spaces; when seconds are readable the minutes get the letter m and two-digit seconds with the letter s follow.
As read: 11h02
